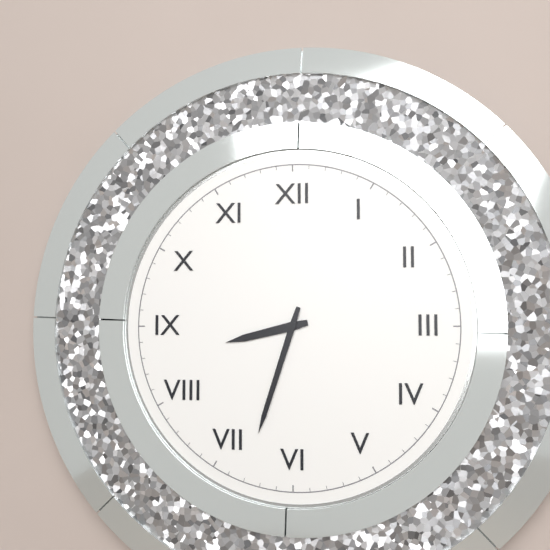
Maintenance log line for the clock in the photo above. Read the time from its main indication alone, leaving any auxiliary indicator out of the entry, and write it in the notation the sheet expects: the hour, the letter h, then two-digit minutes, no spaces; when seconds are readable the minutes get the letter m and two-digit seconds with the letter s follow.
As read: 8h33
